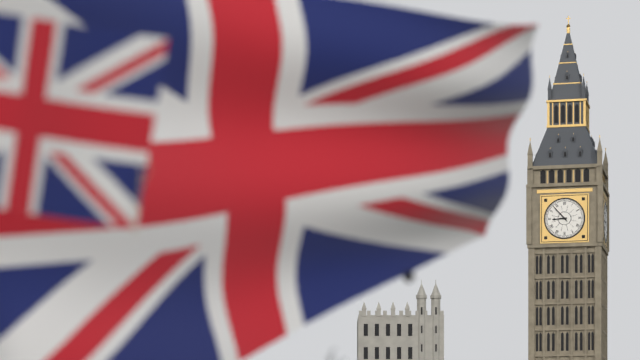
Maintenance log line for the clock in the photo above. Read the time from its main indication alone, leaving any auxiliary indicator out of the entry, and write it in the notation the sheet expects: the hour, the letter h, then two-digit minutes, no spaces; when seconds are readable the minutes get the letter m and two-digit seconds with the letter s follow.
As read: 8h53
